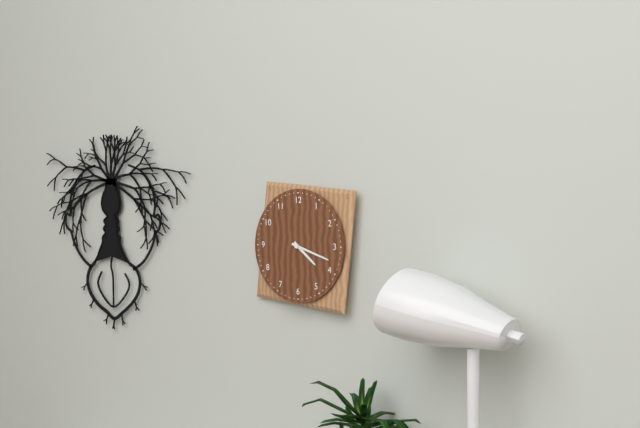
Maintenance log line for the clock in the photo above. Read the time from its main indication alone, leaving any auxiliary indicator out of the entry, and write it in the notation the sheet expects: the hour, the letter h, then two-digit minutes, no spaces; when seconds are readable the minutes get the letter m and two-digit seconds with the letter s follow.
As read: 4h18
